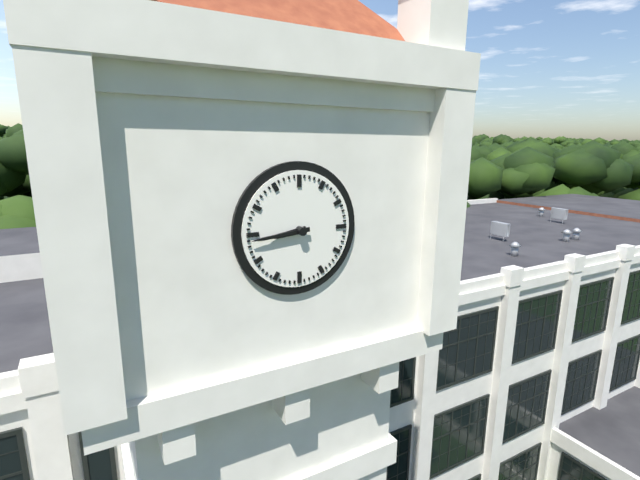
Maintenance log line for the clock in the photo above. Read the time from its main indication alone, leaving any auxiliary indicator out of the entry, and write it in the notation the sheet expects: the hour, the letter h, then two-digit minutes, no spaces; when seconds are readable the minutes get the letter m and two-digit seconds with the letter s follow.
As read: 8h44
